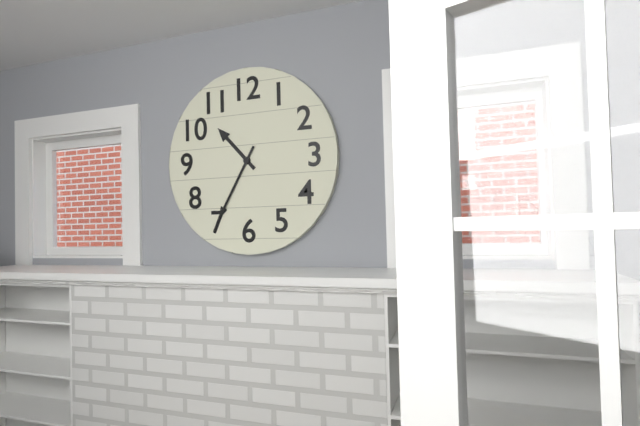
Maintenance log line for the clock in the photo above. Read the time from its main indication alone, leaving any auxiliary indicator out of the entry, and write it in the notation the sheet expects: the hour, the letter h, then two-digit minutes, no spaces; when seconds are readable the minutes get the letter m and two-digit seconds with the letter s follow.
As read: 10h35
